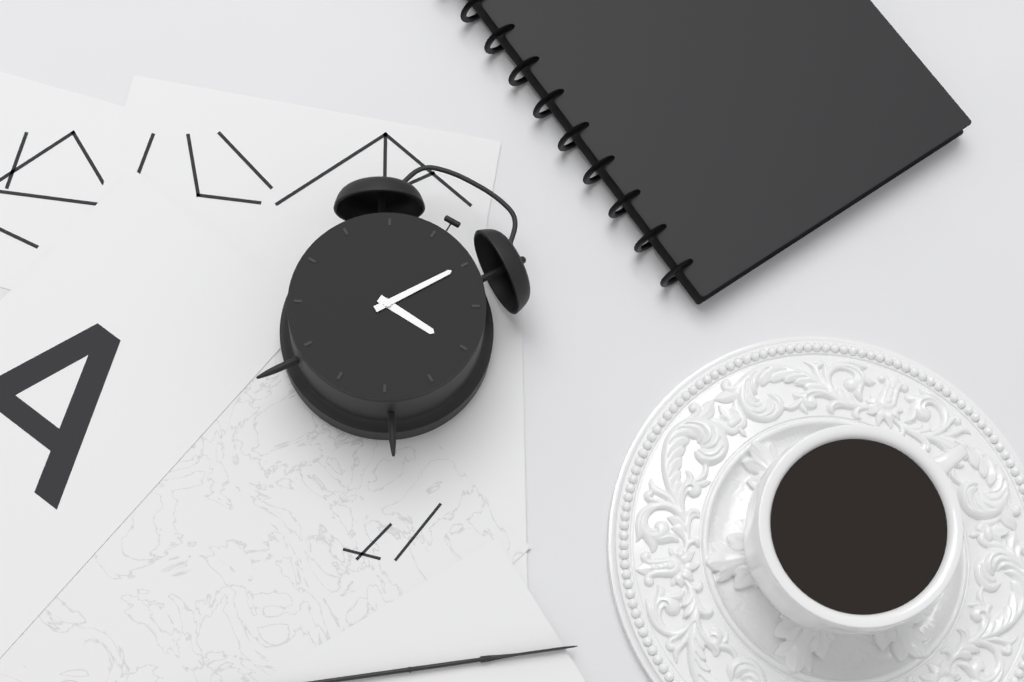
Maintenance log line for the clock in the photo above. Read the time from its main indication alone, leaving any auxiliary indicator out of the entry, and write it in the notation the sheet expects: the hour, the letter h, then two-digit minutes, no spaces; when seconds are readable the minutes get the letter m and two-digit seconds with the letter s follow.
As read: 3h05
